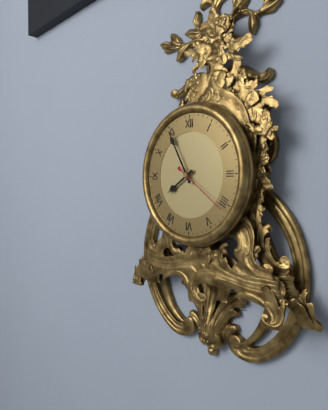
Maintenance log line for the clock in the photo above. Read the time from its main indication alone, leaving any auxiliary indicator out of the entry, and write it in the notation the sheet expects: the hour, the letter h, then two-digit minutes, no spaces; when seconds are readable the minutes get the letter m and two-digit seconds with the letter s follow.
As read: 7h55
